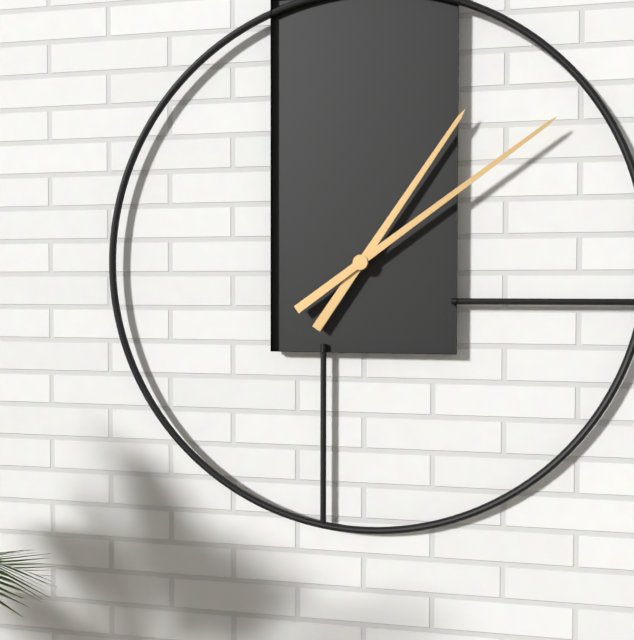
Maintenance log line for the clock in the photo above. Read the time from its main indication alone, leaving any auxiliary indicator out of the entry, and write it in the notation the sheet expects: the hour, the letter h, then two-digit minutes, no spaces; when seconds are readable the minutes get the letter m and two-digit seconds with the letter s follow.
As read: 1h09
